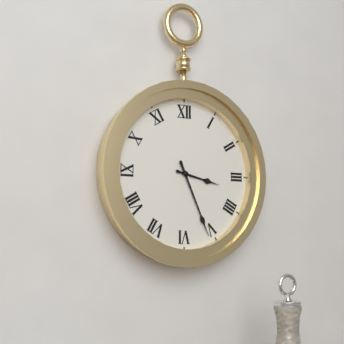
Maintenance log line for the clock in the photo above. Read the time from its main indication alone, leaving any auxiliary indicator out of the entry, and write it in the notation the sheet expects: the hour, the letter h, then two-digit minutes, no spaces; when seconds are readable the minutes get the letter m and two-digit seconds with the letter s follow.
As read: 3h26
